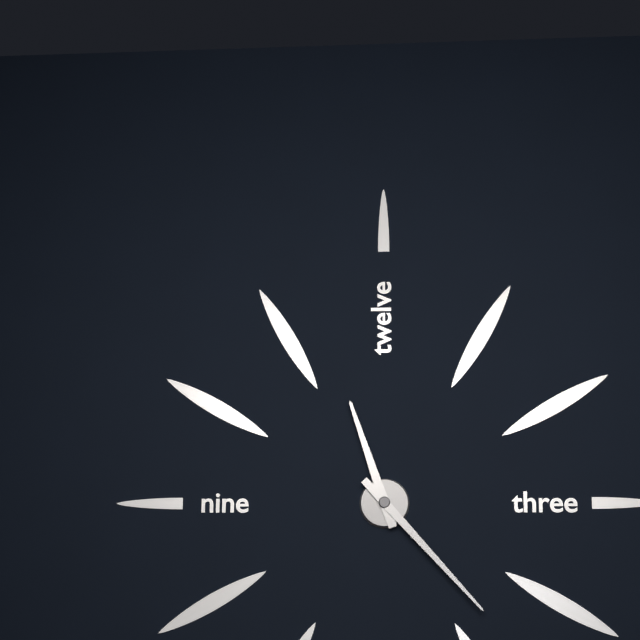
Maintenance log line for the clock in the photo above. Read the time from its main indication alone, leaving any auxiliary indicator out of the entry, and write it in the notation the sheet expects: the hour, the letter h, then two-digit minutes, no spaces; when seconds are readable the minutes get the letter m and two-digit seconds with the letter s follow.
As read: 11h23
